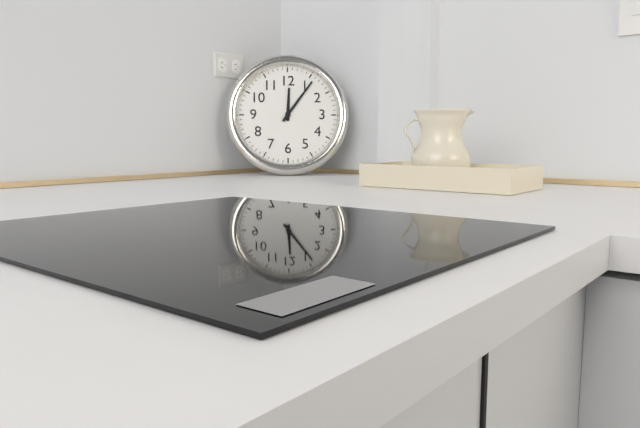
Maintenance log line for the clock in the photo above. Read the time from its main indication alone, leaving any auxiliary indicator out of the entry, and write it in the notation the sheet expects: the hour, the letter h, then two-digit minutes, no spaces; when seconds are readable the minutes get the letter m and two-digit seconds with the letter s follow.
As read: 12h06
